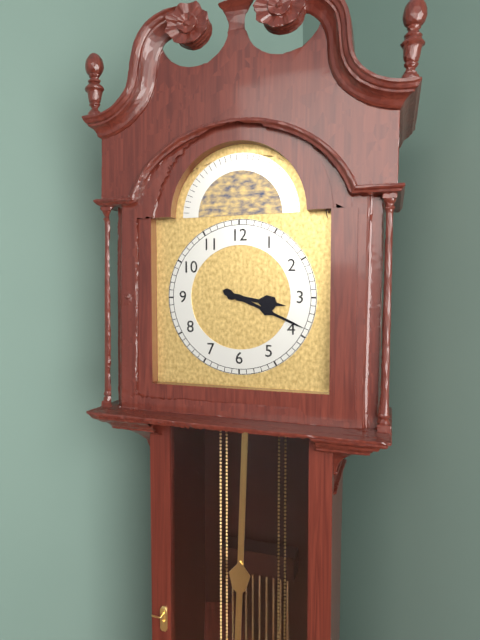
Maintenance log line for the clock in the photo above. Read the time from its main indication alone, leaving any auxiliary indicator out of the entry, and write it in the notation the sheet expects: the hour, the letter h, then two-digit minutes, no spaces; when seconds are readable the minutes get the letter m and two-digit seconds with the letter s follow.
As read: 3h19
